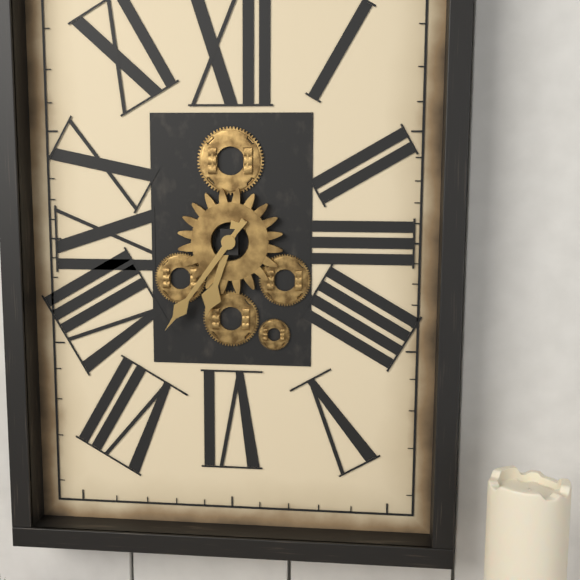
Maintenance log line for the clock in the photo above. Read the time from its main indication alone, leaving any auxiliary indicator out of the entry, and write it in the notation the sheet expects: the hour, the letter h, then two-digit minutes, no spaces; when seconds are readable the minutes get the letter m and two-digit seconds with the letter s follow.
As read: 6h36
